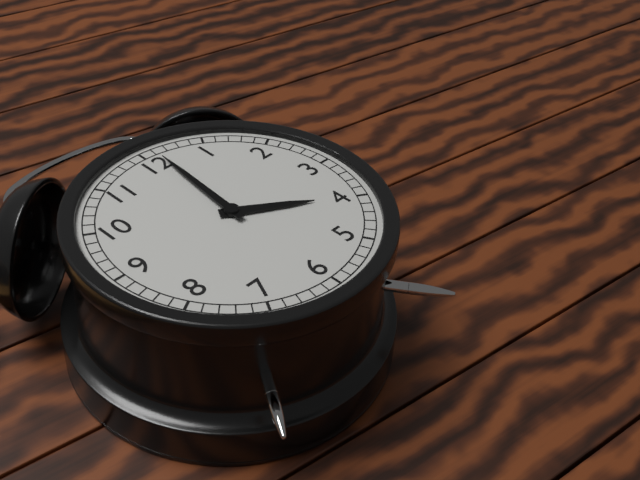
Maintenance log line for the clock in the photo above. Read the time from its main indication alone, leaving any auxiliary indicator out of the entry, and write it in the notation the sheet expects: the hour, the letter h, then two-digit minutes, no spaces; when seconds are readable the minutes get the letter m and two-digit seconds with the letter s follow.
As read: 4h01
